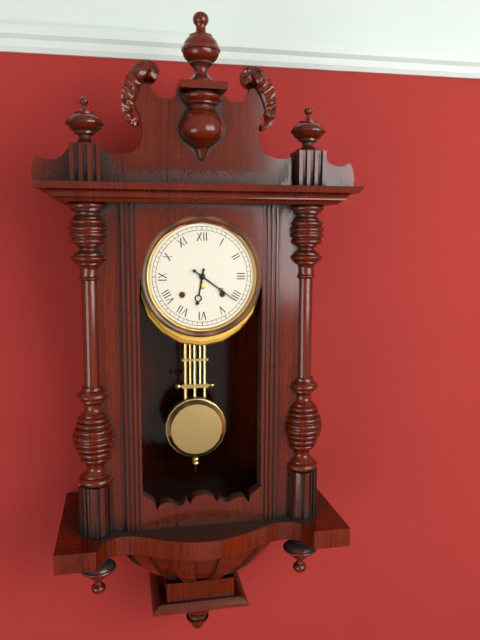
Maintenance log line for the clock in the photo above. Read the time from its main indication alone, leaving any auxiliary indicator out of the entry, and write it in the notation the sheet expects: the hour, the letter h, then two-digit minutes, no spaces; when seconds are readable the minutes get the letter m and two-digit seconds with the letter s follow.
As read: 6h21
